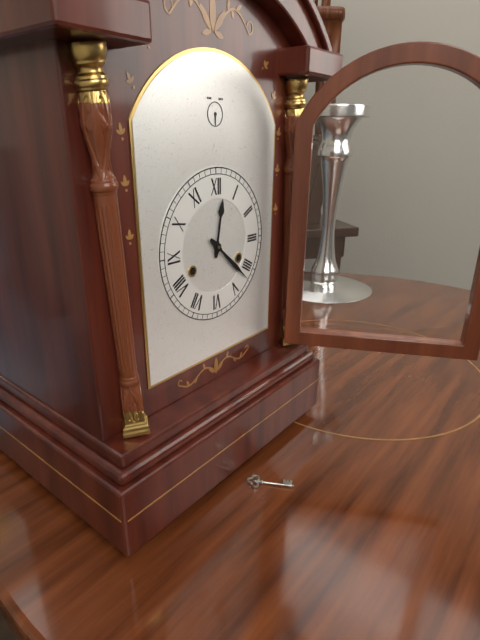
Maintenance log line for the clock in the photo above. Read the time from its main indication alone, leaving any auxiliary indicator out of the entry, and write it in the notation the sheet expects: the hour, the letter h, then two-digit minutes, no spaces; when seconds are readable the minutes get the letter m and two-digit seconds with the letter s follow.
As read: 12h22
